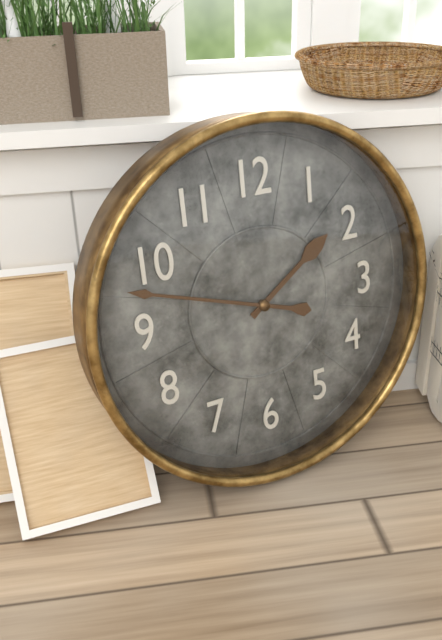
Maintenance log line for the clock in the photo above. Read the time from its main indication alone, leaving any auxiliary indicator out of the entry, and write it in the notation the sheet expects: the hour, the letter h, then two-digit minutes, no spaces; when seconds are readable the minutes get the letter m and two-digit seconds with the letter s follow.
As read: 1h48
